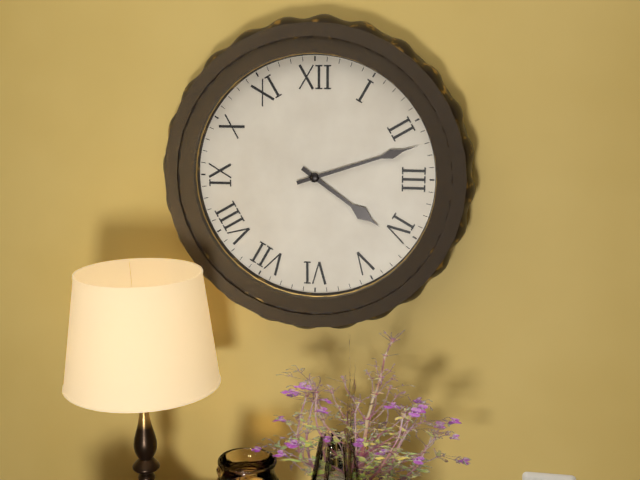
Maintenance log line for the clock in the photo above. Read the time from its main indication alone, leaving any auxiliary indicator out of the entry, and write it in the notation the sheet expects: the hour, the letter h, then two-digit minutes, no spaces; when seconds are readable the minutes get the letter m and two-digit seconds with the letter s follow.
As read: 4h12
